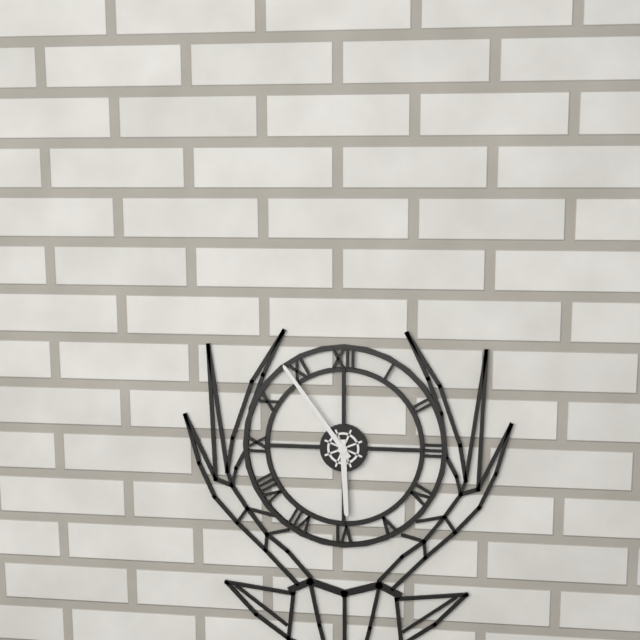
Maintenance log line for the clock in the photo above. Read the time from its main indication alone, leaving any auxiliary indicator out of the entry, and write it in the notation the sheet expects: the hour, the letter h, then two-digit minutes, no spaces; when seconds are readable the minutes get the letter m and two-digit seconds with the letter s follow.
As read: 5h54
